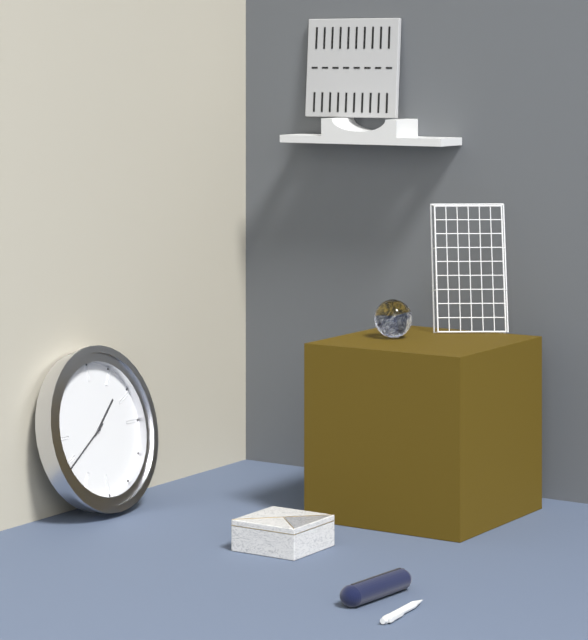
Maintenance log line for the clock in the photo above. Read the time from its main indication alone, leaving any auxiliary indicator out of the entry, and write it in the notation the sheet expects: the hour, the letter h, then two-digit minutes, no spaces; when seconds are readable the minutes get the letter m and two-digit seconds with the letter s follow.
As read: 1h40
